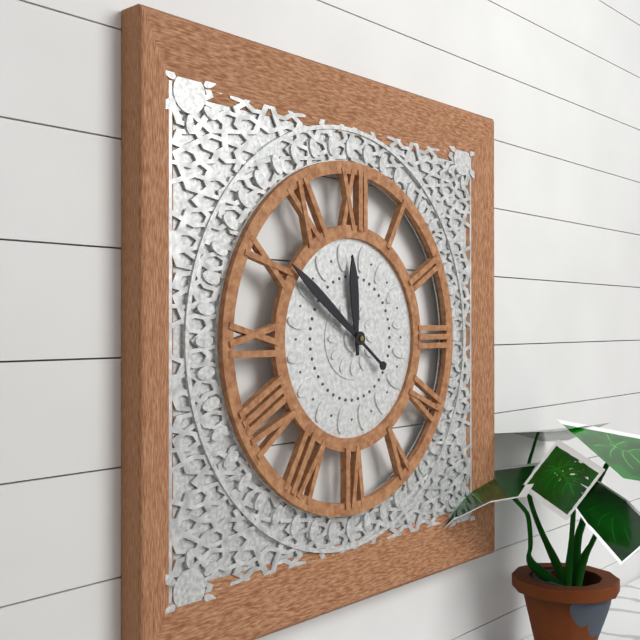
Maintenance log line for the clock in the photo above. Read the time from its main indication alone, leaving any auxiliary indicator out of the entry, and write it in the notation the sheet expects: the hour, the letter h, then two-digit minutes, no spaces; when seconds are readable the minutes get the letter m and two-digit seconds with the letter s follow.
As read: 11h51
